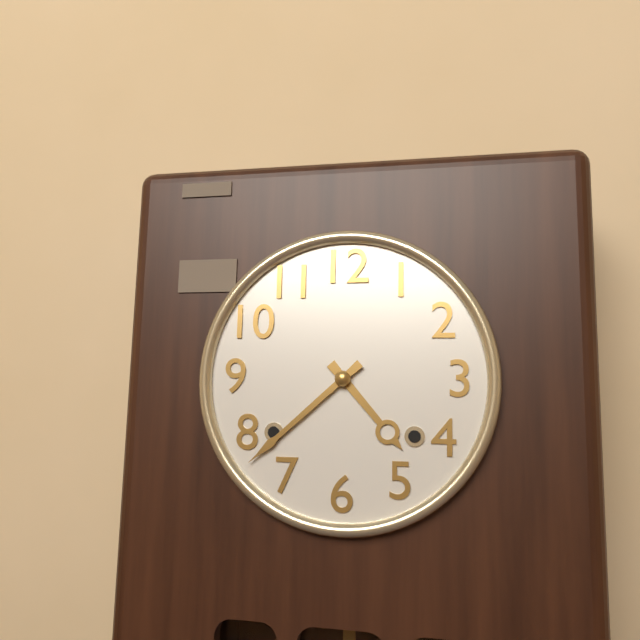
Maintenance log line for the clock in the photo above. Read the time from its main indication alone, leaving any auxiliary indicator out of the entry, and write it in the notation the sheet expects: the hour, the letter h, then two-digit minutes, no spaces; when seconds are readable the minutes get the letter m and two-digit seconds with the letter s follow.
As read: 4h38
